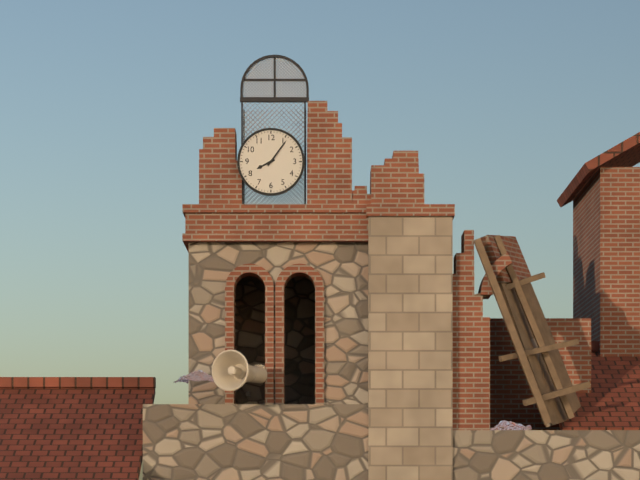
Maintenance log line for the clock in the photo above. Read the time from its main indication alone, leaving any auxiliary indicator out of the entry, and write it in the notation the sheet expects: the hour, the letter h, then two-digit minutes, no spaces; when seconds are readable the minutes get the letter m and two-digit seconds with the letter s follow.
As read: 8h06
